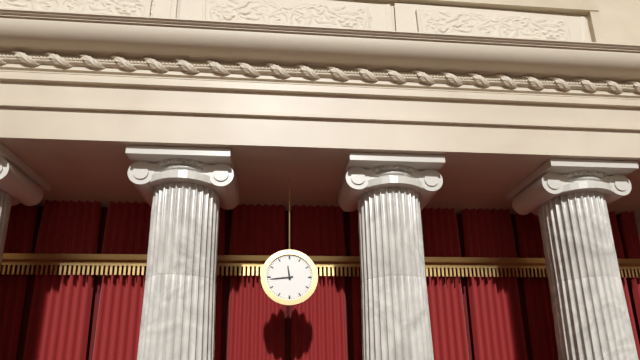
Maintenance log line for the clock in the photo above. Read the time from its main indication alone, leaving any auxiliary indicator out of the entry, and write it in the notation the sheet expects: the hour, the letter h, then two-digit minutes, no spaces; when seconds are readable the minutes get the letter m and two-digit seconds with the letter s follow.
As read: 11h44
